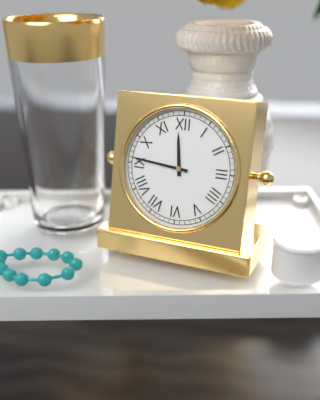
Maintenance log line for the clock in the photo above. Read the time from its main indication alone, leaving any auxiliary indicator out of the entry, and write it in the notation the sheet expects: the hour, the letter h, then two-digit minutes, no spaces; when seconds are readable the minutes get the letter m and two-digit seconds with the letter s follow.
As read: 11h46
